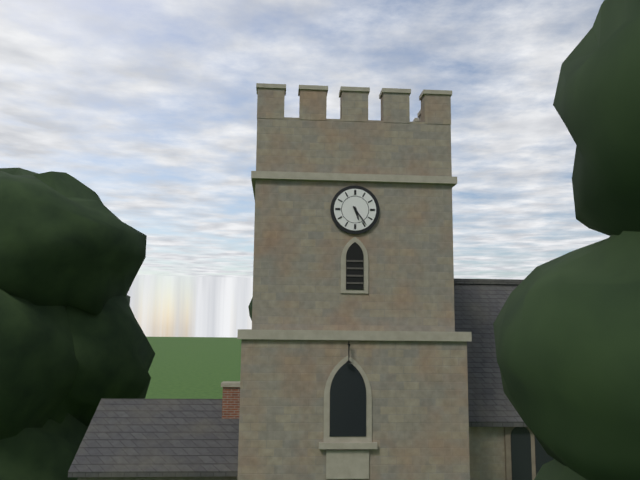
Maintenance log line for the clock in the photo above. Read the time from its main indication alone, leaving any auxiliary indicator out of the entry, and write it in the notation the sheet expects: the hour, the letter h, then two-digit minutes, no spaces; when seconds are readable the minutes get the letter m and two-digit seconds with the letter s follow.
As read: 5h24
